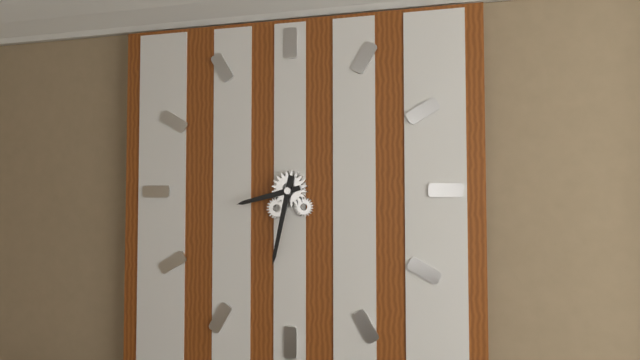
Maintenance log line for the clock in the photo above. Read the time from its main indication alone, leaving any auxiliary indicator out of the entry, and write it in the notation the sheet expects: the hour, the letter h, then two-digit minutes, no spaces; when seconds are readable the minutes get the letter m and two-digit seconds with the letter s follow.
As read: 8h32
